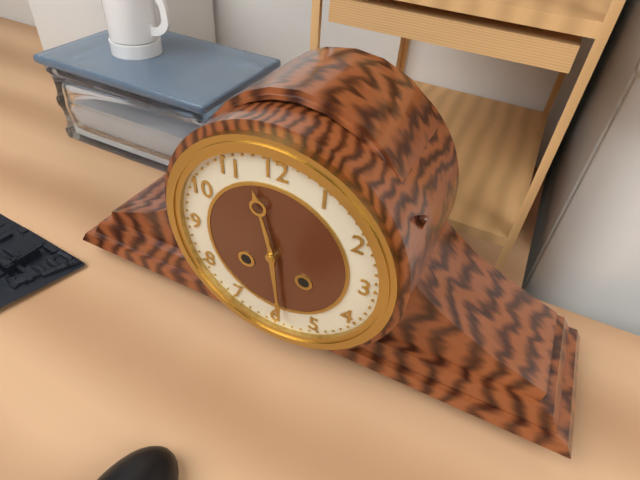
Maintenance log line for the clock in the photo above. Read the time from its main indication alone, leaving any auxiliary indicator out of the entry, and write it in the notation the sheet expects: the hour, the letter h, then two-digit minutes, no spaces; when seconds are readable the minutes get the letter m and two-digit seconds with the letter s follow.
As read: 11h29
